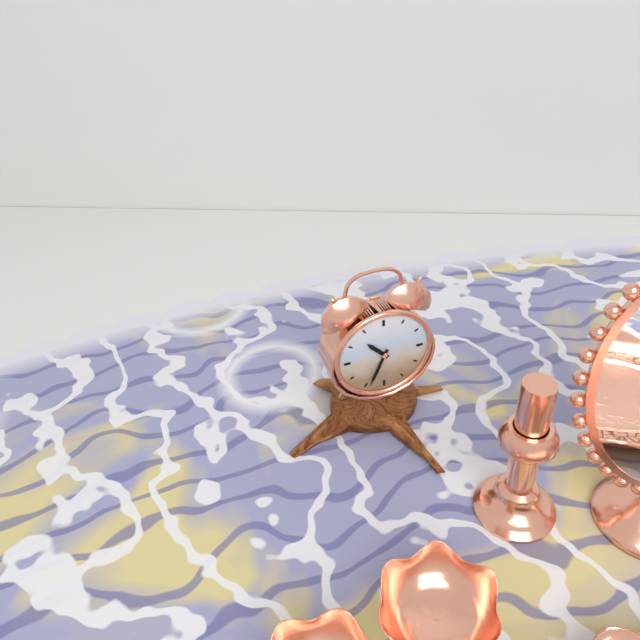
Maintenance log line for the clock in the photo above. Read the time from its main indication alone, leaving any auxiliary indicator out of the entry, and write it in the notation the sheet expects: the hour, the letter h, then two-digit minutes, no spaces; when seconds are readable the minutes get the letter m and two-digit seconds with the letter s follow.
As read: 10h34
